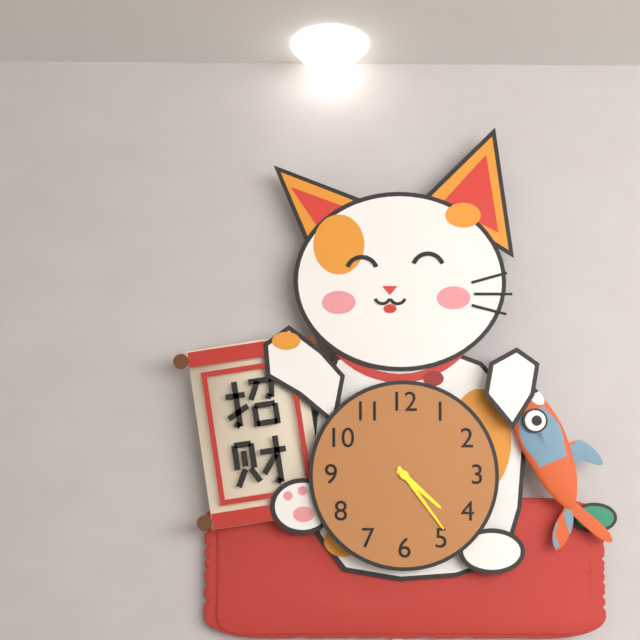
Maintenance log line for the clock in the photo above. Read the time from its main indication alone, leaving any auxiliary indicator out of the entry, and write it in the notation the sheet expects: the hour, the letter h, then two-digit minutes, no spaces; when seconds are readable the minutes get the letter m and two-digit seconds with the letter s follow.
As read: 4h24
